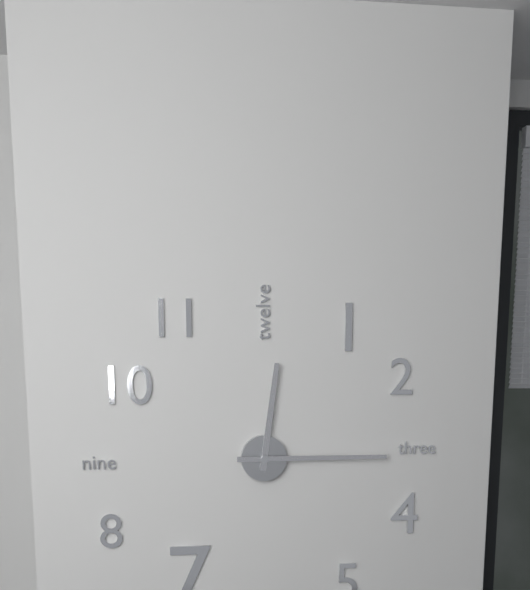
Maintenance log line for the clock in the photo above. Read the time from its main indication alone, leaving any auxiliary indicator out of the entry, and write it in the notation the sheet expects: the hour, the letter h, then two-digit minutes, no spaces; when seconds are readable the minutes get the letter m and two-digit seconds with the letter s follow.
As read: 12h15
